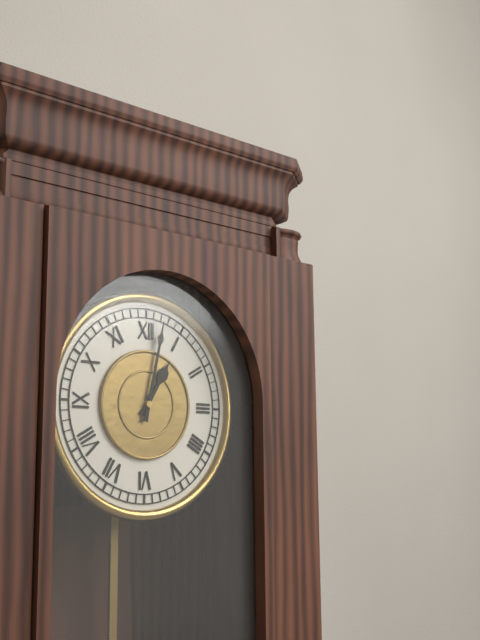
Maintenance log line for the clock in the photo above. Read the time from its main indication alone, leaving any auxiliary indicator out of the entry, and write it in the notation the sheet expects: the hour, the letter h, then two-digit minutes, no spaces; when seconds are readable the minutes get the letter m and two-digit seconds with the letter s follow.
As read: 1h02
